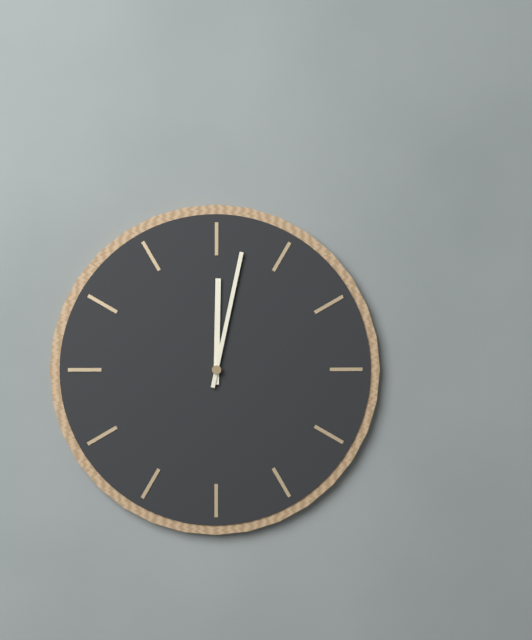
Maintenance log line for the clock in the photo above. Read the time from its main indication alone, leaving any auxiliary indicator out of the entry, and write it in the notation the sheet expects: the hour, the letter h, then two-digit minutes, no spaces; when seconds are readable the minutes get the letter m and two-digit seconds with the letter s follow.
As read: 12h02
